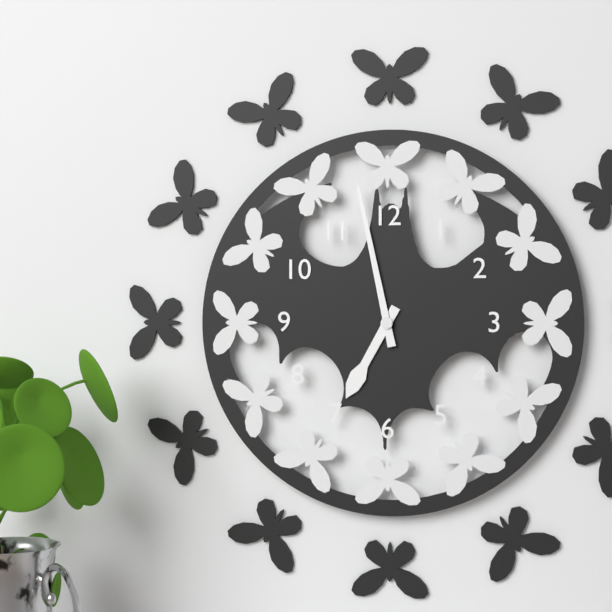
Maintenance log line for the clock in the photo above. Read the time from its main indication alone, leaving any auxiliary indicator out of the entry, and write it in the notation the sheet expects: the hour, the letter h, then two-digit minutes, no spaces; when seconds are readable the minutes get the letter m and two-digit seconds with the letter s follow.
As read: 6h58
